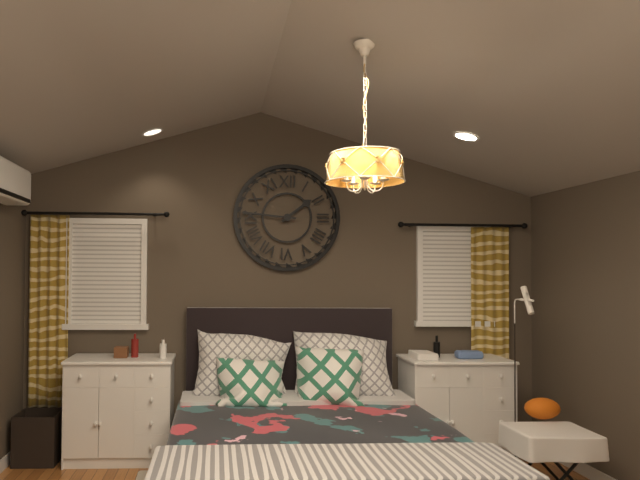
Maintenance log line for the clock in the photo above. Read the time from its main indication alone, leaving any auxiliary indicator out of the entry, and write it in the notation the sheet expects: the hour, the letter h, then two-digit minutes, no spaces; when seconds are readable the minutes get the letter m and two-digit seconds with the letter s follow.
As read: 1h46
